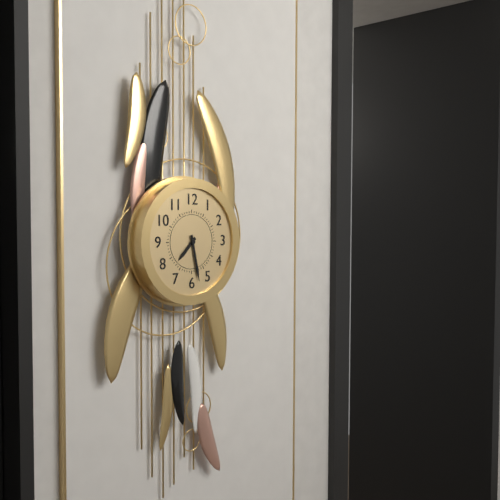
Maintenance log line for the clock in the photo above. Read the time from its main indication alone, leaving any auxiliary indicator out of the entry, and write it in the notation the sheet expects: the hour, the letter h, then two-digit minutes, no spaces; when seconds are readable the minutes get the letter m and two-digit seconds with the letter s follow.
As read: 7h28
